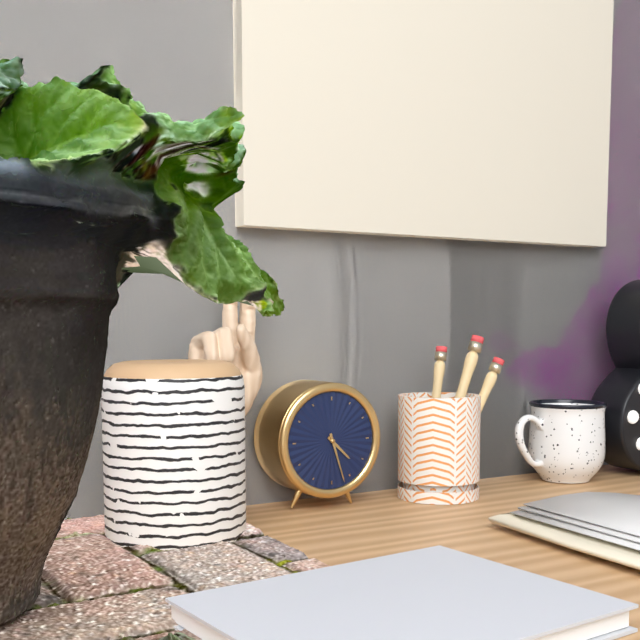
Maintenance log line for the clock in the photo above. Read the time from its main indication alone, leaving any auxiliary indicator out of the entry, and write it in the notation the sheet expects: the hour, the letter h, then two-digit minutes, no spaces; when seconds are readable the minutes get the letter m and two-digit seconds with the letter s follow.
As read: 4h27
